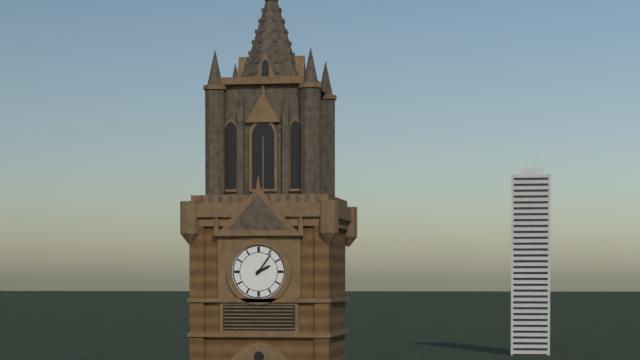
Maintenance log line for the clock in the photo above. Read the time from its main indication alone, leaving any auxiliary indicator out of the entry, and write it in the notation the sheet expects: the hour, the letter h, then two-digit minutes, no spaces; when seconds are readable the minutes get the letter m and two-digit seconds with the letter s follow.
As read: 2h06
